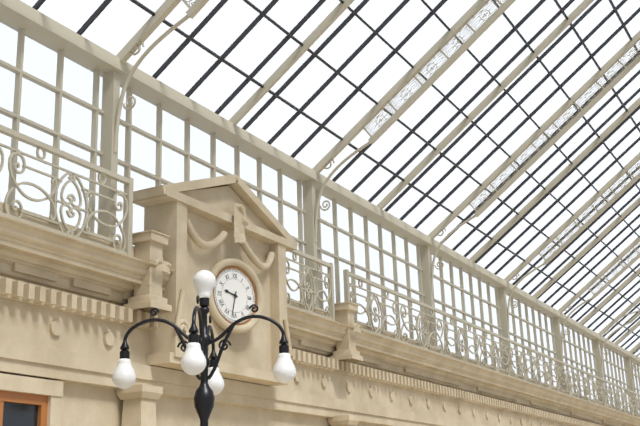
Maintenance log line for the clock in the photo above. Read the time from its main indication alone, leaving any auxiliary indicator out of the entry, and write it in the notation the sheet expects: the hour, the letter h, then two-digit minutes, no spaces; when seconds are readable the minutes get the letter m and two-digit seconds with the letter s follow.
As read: 9h32
